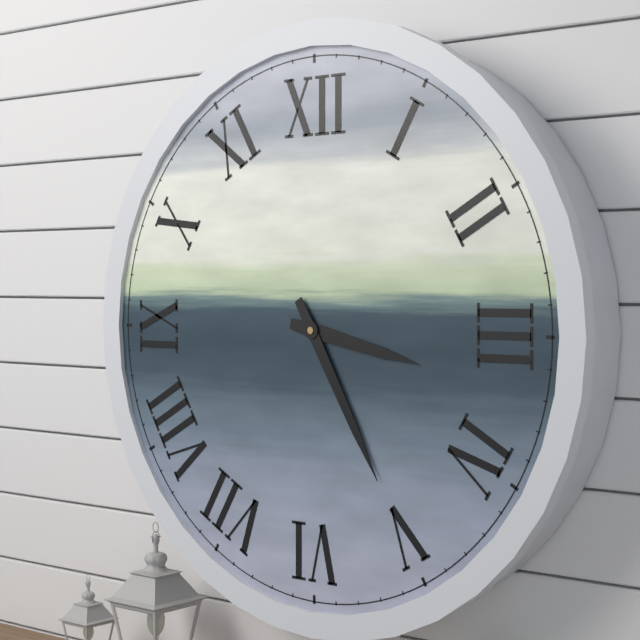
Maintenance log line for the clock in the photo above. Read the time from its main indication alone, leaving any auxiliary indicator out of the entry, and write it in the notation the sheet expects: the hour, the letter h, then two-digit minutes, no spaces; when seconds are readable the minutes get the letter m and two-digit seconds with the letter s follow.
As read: 3h25
